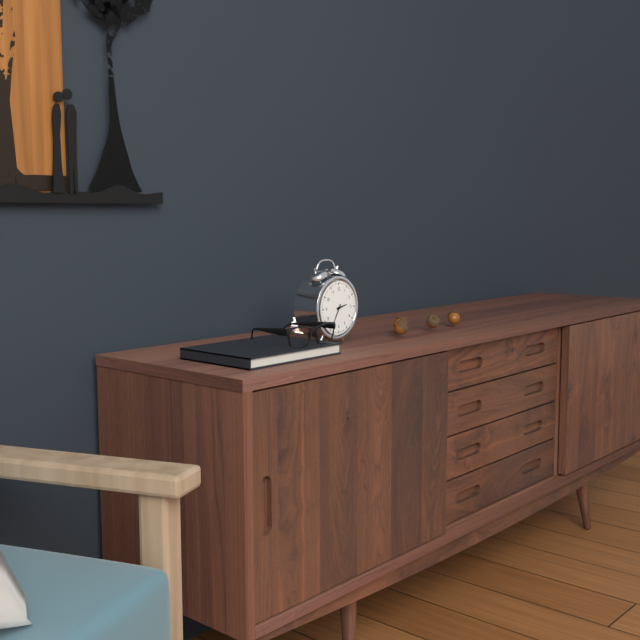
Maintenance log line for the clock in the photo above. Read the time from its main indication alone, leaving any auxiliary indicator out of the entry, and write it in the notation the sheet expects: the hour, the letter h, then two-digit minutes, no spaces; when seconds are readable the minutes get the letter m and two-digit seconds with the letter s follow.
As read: 2h35
